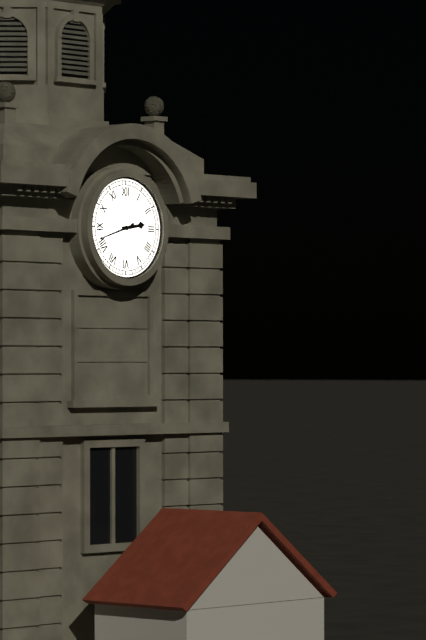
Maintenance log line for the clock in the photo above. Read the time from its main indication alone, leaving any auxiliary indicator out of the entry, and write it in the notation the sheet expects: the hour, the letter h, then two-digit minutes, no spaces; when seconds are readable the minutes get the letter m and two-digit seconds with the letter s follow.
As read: 2h42
